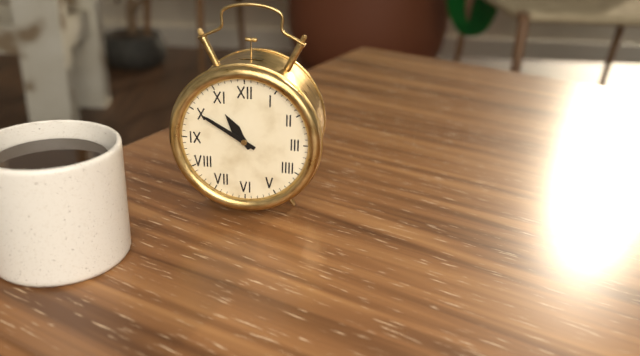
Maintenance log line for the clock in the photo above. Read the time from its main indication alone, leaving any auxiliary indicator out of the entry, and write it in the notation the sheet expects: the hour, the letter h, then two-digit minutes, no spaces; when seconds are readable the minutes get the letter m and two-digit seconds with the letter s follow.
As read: 10h50
